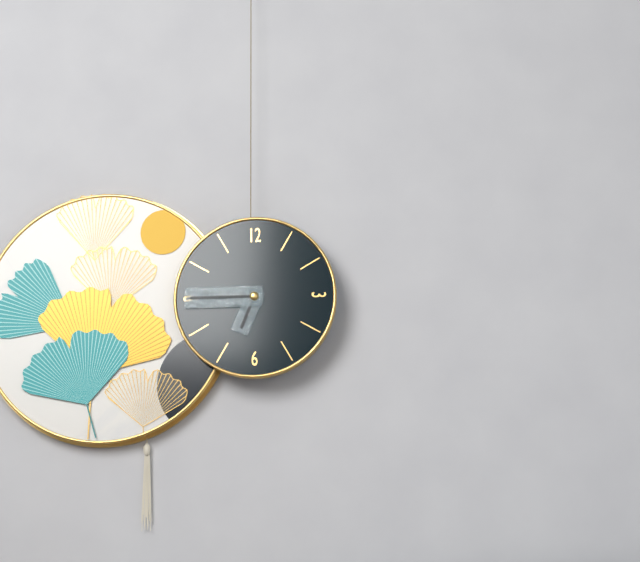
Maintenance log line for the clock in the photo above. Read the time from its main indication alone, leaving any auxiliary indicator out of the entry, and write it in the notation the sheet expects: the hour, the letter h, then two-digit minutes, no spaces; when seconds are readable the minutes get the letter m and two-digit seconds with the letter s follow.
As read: 6h45
